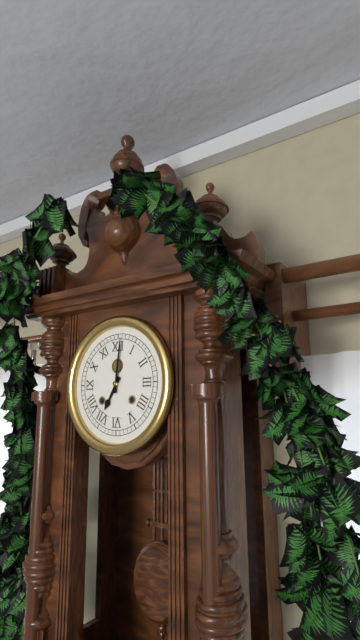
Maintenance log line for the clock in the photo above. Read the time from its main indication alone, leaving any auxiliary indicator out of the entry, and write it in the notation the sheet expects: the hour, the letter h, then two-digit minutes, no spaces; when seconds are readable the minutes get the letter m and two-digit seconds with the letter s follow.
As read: 7h01
